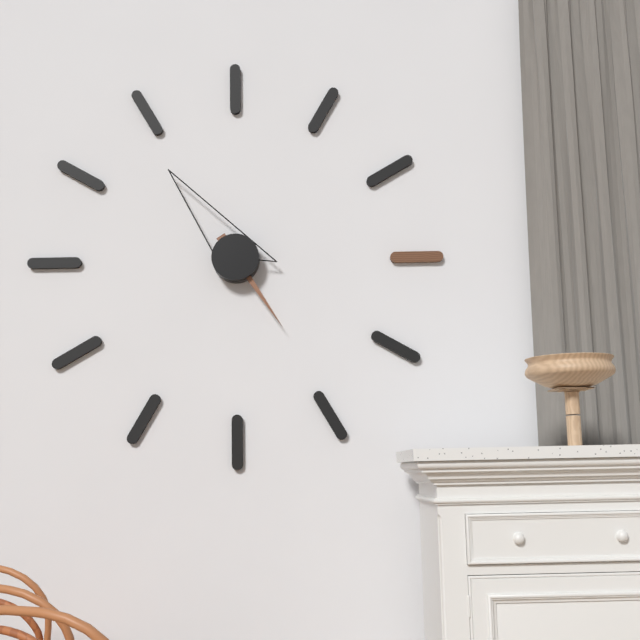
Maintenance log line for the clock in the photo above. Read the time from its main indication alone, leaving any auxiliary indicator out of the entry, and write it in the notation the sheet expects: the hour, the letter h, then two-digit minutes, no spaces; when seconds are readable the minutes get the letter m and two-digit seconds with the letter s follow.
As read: 4h54
